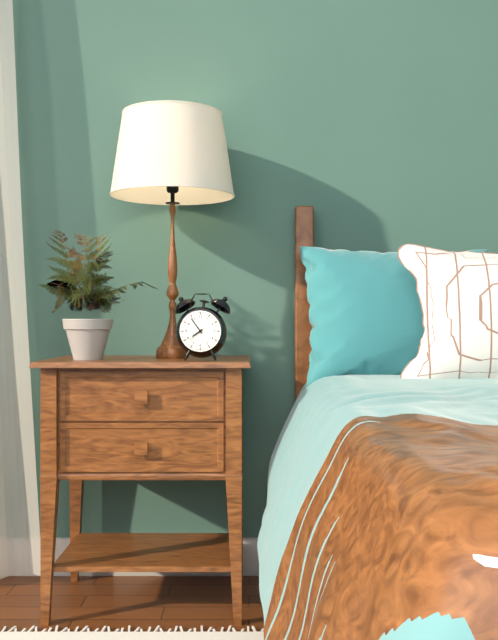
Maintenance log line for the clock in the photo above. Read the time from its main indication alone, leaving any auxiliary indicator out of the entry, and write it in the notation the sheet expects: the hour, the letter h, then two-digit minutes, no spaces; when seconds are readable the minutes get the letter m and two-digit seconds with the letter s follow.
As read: 7h54
